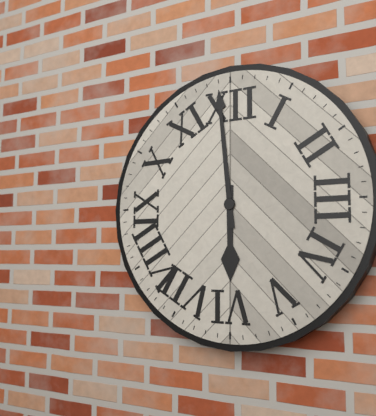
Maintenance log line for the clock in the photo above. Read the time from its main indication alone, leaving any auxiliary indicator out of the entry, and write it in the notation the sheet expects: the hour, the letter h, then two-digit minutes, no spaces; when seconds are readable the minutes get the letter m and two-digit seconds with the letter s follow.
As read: 5h59
